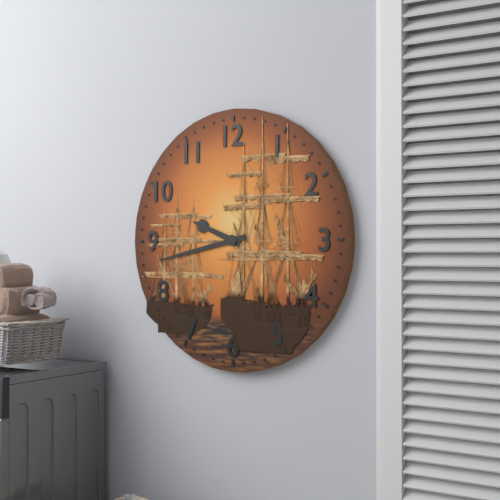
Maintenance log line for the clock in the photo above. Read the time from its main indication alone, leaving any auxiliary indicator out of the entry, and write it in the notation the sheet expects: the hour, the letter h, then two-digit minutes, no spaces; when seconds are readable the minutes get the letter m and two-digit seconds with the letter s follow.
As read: 9h43
